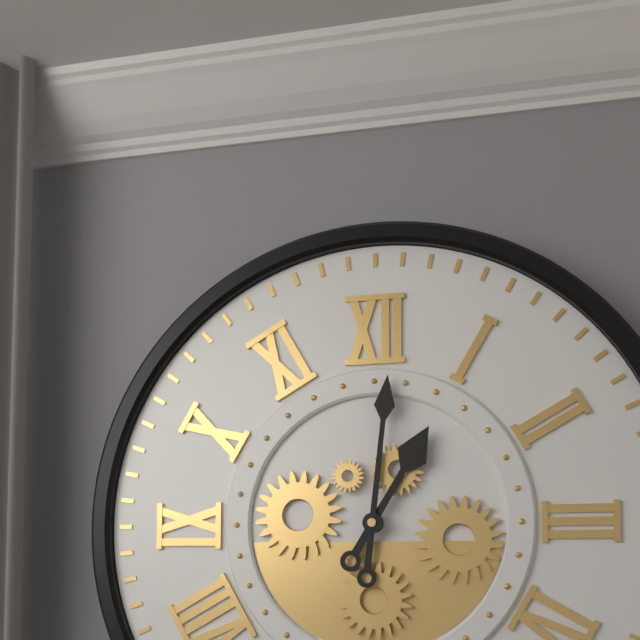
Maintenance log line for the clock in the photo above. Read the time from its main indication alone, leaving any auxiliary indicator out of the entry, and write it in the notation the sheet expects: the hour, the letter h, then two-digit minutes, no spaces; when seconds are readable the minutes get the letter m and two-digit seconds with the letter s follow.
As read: 1h01
